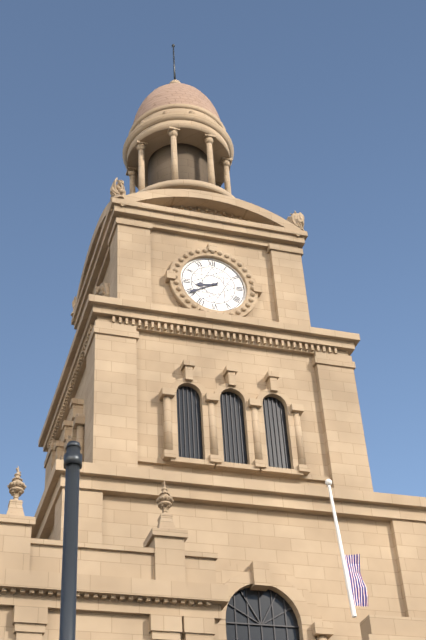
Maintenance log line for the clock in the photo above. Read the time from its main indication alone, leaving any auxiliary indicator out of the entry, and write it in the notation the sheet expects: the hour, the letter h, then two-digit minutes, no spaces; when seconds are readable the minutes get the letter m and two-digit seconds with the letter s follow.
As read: 8h40
